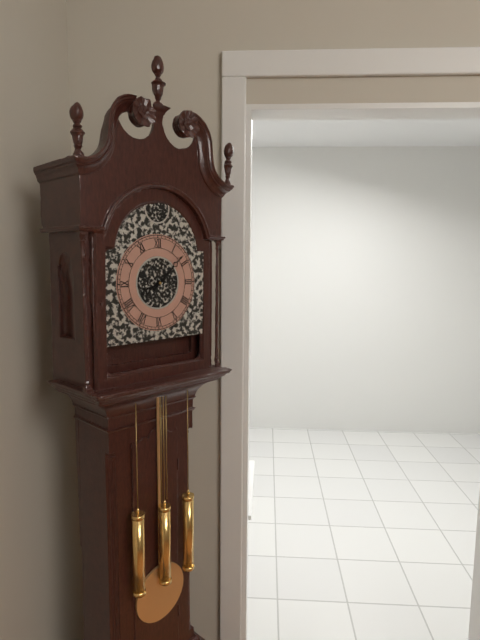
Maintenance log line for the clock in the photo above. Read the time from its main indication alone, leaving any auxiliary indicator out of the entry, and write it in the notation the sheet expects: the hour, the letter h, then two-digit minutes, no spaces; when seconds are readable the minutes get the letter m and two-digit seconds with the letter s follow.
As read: 8h08
